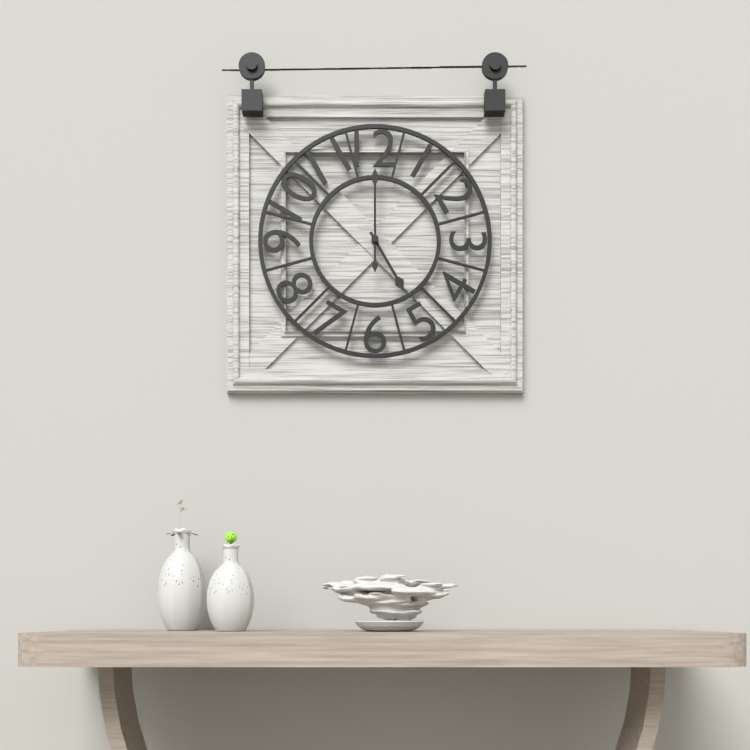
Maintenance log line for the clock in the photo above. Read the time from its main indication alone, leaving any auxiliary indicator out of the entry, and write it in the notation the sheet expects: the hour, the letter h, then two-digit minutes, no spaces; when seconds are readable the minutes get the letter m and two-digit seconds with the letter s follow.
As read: 5h00
